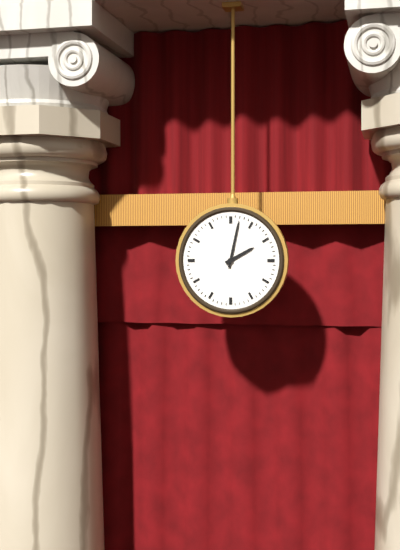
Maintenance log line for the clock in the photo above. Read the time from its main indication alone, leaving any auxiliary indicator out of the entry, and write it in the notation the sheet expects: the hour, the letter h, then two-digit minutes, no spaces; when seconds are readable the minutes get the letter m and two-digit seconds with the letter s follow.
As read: 2h02
